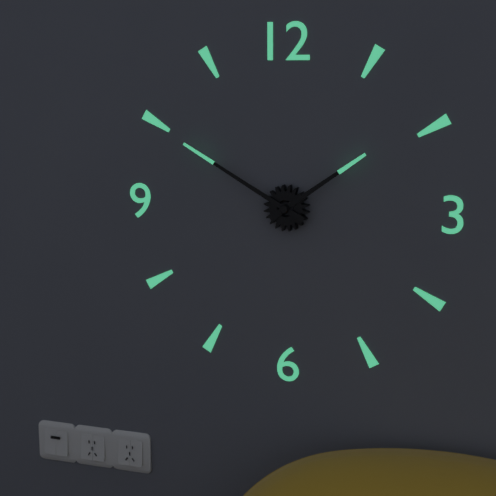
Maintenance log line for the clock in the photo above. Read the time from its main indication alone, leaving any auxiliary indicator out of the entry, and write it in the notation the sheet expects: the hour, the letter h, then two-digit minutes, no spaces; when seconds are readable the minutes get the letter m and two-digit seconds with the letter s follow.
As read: 1h50
